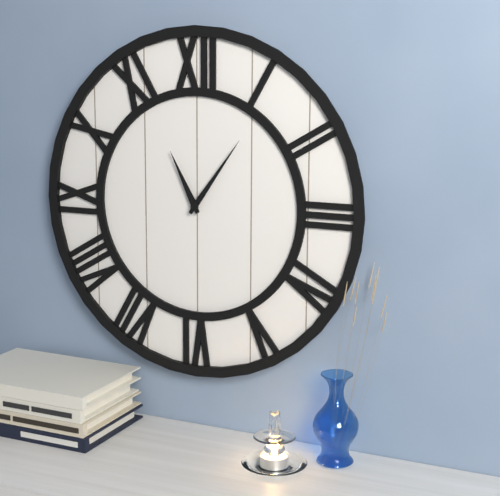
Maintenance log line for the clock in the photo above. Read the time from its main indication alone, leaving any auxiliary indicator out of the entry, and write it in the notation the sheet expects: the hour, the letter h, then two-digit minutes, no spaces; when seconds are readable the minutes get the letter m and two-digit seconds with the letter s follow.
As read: 11h06
